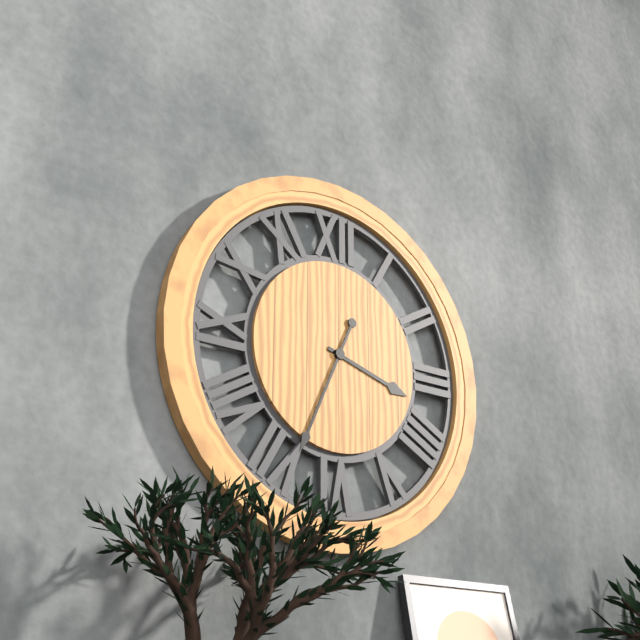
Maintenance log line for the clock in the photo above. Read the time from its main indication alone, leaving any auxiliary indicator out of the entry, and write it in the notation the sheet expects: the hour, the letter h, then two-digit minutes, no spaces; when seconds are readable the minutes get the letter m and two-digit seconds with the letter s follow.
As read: 3h34
